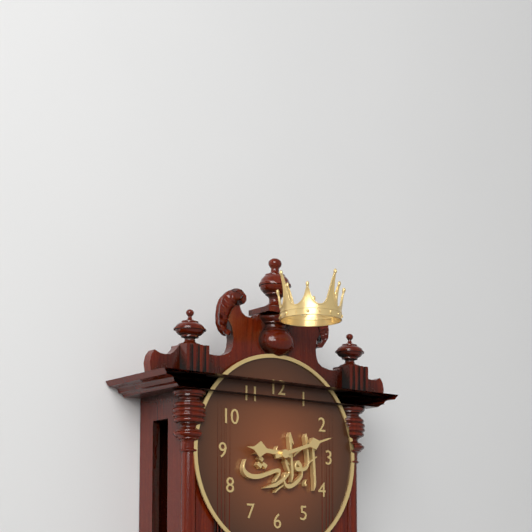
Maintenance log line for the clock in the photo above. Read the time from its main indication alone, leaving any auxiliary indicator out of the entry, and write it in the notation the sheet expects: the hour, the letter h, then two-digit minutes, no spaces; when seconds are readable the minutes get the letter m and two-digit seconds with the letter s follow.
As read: 9h12
